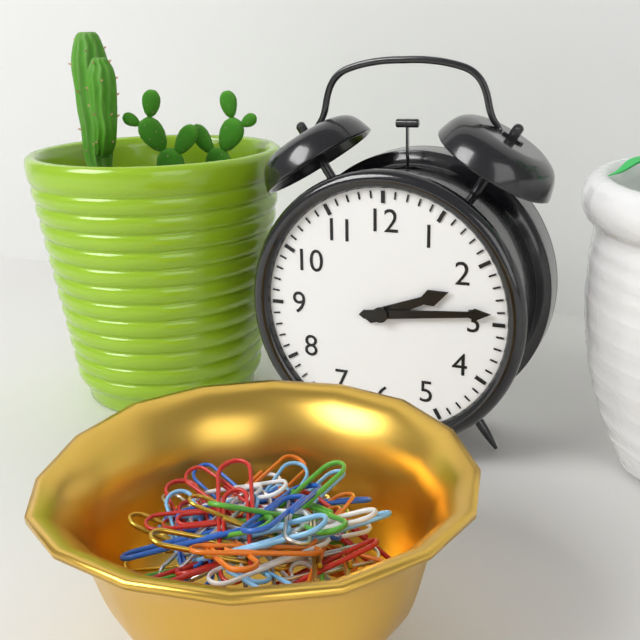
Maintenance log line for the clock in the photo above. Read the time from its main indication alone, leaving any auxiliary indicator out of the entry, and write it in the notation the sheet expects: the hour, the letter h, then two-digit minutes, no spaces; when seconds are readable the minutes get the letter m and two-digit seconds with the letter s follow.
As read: 2h14
